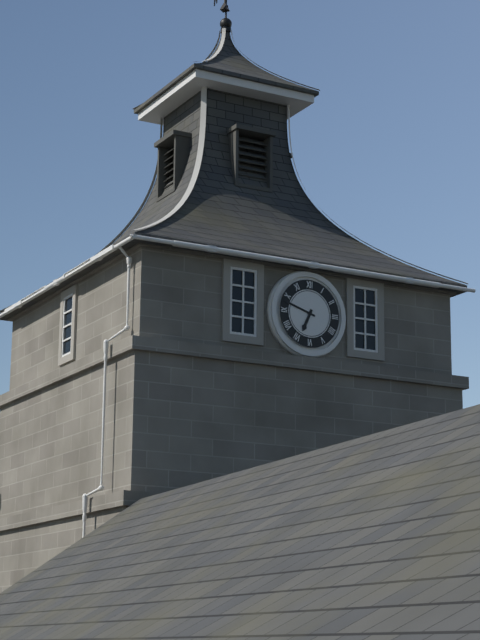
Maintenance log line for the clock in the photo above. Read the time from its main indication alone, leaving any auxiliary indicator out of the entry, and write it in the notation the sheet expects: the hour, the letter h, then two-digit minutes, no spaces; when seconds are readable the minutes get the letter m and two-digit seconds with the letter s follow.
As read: 6h48
